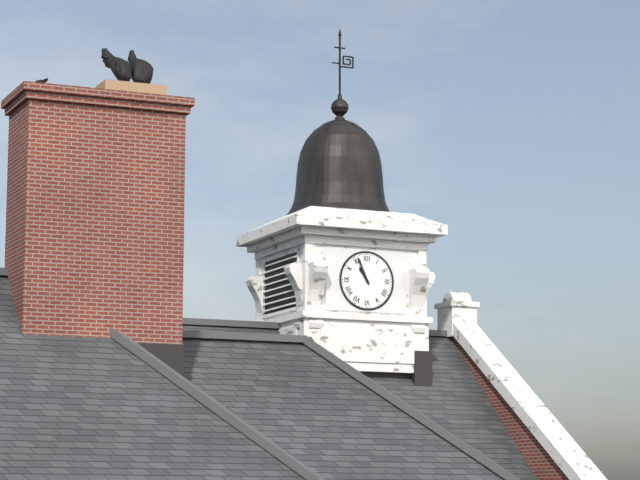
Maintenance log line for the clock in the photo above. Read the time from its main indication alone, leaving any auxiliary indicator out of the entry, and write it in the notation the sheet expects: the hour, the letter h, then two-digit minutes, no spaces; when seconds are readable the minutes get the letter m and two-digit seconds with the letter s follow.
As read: 10h56
